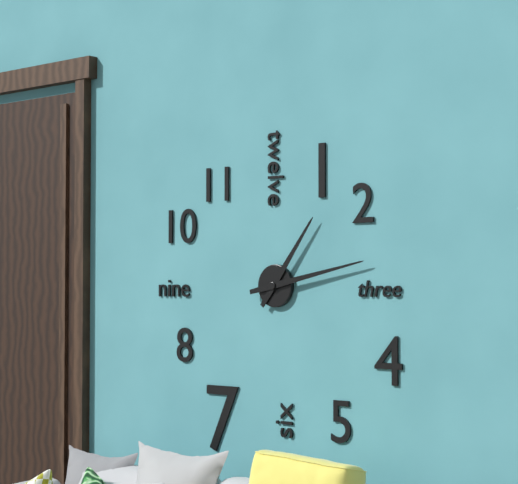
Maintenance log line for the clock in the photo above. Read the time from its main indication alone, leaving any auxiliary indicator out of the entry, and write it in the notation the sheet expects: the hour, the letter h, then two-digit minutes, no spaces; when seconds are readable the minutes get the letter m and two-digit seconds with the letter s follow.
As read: 1h13
